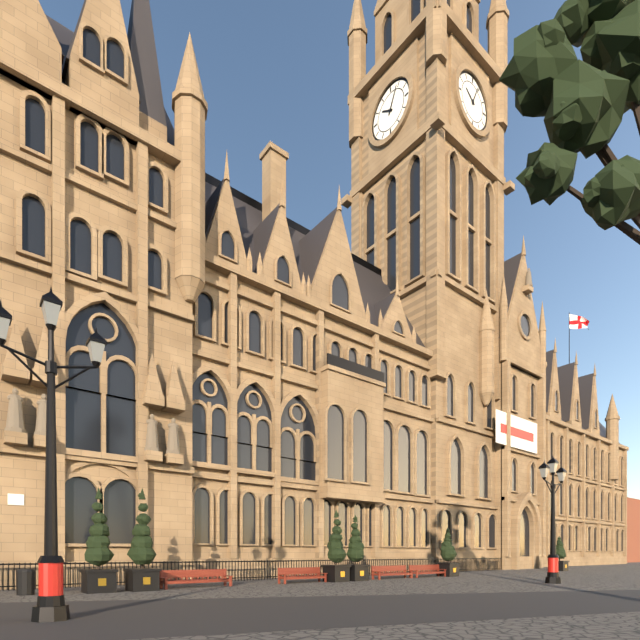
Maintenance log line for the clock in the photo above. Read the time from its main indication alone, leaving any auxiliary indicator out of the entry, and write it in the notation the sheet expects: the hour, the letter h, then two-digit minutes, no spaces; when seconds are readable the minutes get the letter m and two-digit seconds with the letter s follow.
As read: 10h04
